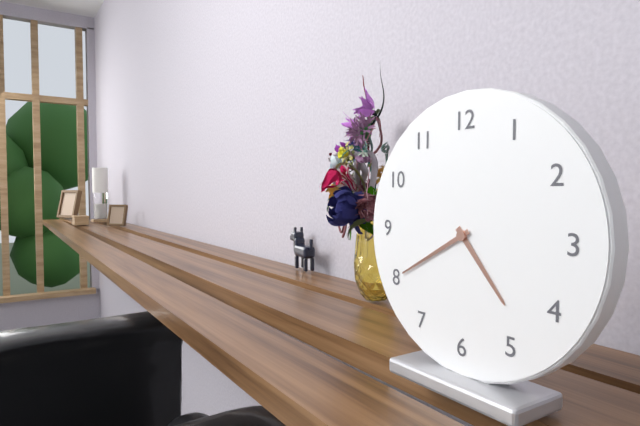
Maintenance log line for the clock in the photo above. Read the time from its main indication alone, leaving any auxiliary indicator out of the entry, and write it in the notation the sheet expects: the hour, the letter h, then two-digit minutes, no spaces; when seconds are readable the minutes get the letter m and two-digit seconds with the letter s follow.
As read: 4h40
